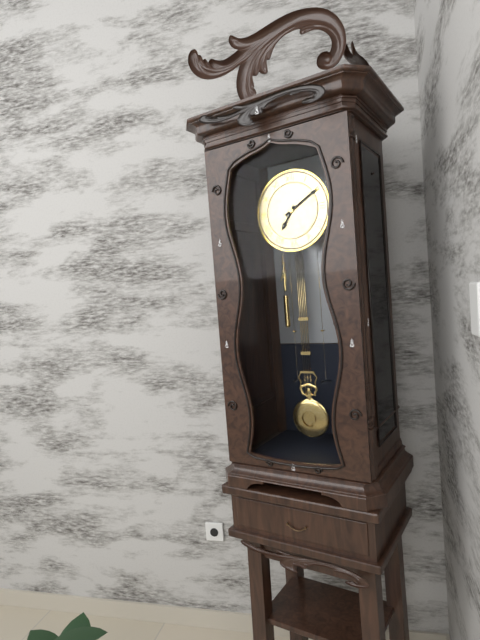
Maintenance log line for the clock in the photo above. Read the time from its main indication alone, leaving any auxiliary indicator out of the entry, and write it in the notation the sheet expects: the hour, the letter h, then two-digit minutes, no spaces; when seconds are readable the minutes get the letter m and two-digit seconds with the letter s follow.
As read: 7h10
